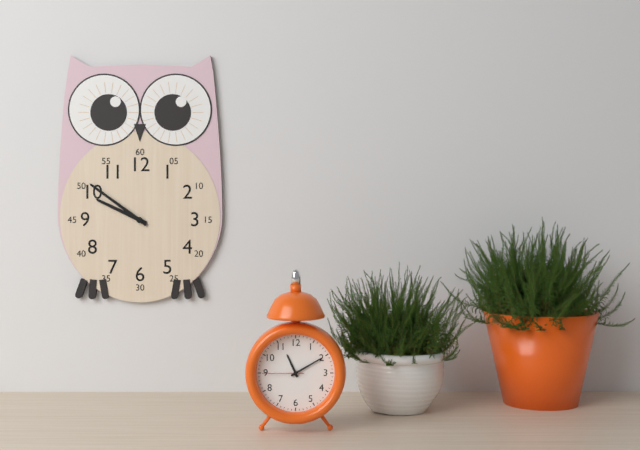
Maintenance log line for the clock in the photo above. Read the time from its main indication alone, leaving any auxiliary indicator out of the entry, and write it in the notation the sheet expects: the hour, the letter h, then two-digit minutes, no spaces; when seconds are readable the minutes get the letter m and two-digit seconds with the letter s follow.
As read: 9h51
